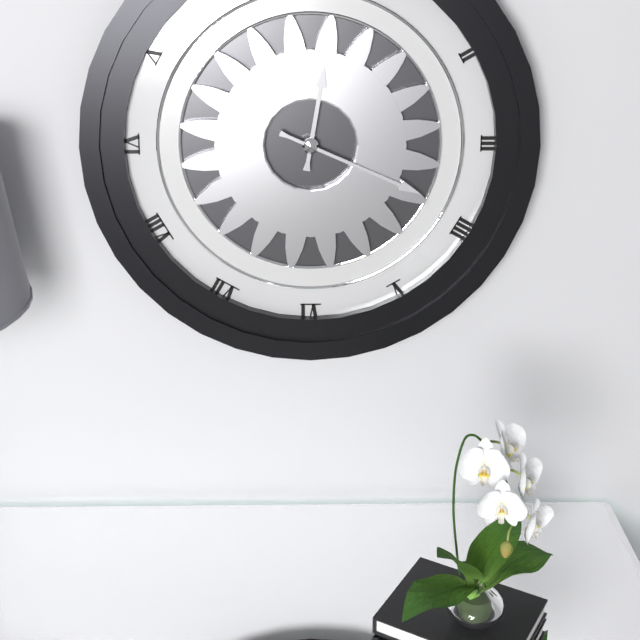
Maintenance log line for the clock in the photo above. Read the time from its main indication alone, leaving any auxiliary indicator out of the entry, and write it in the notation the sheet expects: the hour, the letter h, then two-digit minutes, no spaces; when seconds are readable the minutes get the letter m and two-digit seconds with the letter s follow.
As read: 12h19
